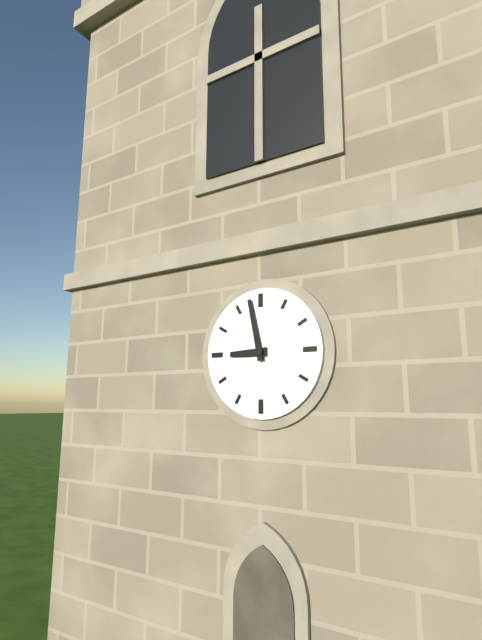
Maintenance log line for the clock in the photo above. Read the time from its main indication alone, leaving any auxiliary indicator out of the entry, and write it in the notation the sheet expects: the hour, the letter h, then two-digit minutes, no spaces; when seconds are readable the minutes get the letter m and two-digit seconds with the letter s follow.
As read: 8h58
